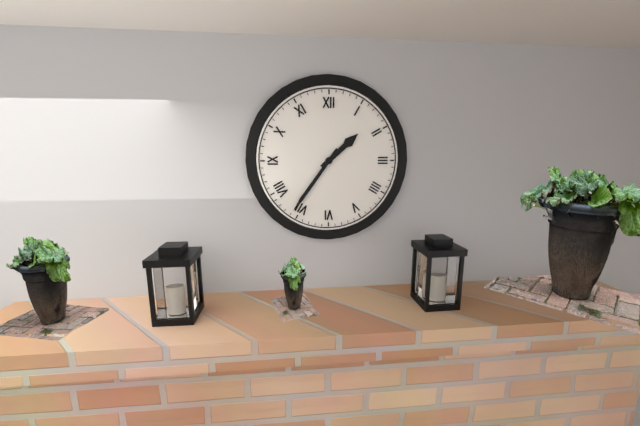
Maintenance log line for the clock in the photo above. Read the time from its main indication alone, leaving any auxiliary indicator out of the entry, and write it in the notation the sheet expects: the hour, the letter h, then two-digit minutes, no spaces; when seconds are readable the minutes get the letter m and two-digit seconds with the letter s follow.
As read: 1h36
